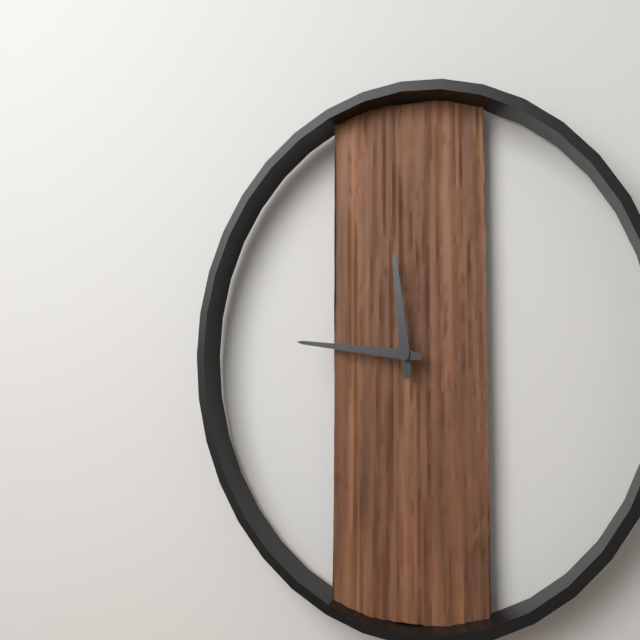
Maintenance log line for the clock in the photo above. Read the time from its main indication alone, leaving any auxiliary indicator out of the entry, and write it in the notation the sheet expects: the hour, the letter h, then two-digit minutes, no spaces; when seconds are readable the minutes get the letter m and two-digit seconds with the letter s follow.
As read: 11h46
